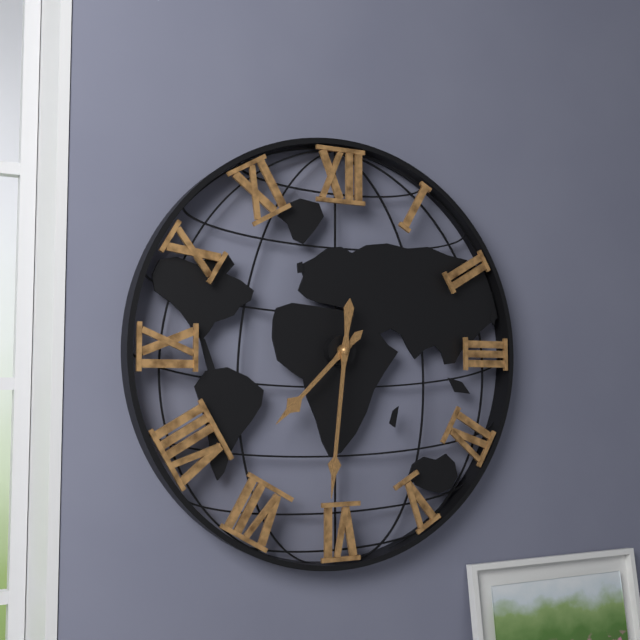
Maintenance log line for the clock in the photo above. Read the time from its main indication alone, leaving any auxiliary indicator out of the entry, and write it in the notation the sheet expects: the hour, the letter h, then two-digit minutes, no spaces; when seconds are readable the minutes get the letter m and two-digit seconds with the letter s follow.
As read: 7h31
